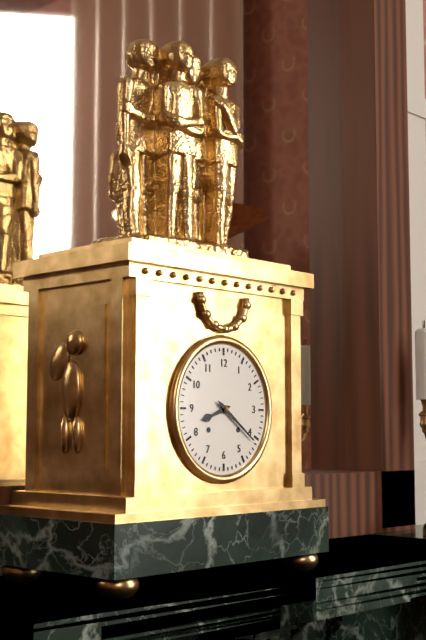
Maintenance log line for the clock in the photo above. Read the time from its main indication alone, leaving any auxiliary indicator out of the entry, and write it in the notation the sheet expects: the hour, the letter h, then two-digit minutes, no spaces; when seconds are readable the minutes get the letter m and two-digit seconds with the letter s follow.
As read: 8h21
